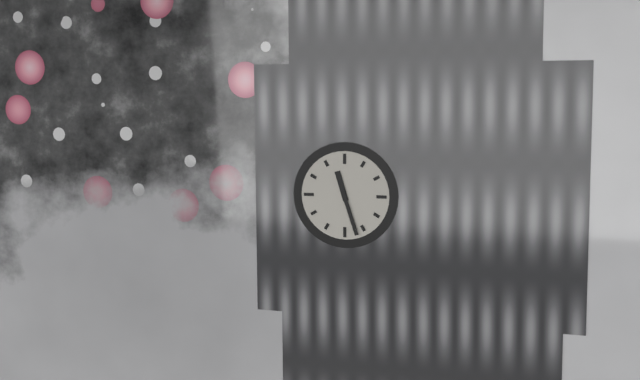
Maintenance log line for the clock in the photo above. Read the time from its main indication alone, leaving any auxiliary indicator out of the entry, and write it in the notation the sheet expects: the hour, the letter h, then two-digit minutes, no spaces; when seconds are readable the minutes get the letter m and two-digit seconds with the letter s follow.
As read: 11h27
